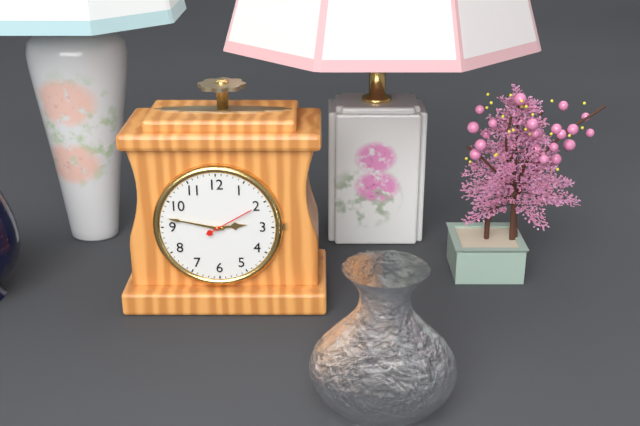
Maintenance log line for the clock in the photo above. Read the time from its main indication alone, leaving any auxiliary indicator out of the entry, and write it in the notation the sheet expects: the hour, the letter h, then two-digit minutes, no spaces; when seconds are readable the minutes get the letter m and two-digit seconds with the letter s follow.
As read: 2h47
